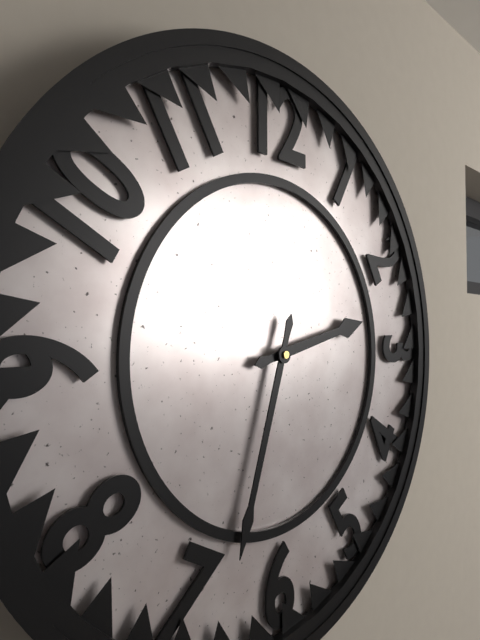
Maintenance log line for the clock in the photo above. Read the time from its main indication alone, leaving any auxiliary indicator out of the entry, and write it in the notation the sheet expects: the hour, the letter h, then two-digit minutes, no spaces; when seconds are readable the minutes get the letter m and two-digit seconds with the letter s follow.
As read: 2h33
